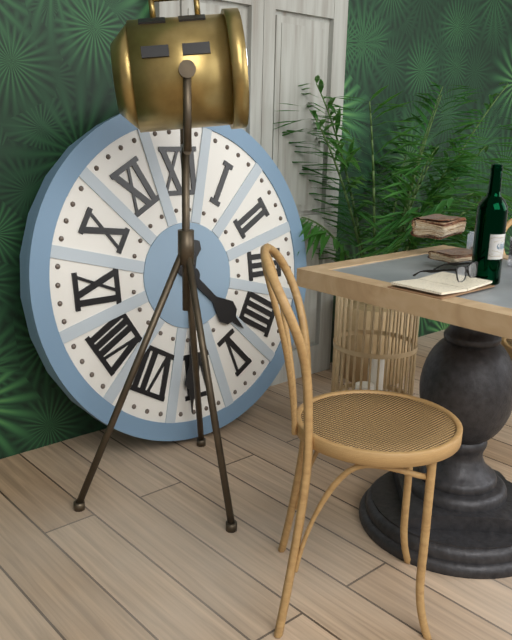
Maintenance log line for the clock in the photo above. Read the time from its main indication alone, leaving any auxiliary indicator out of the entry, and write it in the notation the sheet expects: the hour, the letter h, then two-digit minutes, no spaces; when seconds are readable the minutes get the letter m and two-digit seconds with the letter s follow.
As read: 4h31
